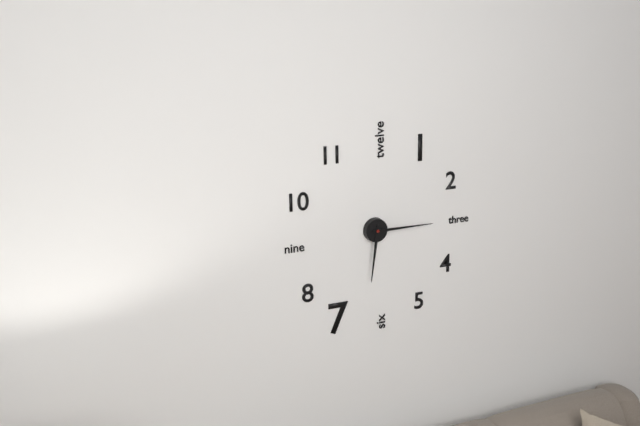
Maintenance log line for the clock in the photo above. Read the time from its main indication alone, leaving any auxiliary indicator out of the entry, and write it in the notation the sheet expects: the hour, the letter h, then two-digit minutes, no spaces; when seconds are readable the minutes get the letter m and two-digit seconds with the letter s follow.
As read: 6h15
